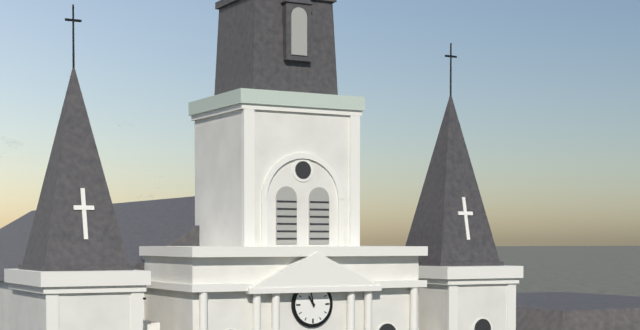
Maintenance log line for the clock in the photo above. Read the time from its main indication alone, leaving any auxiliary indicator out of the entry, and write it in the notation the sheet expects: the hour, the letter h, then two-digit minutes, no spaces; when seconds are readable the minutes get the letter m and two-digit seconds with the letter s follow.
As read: 10h58
